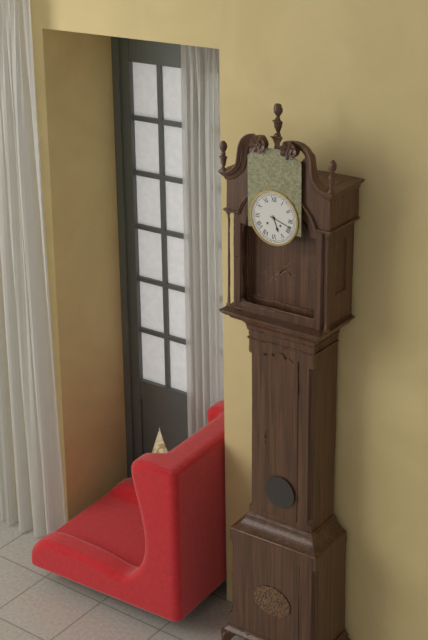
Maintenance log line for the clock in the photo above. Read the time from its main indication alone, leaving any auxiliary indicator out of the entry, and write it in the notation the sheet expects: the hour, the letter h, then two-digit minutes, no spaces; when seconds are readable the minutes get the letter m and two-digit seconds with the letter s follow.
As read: 5h18
